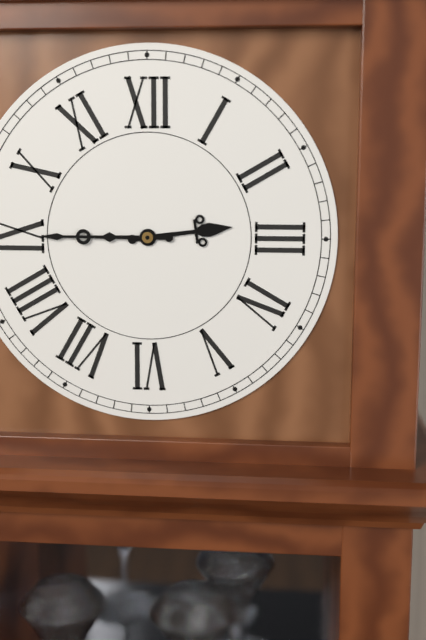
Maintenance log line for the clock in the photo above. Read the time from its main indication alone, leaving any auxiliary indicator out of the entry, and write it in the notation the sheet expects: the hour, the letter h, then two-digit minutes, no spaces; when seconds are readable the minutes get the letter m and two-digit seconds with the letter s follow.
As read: 2h45
